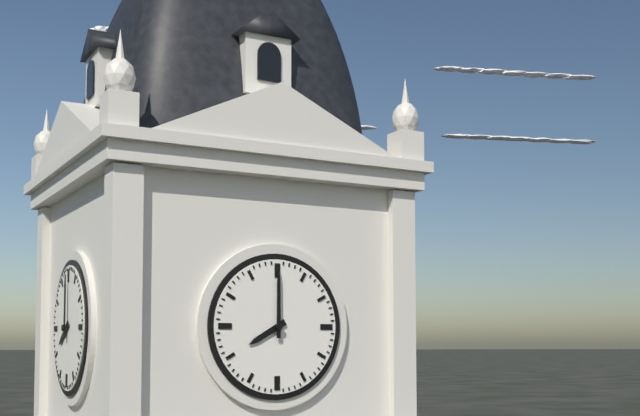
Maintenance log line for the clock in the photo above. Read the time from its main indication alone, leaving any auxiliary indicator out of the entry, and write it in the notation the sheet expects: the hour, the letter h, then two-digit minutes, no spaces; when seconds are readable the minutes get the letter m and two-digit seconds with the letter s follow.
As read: 8h00
